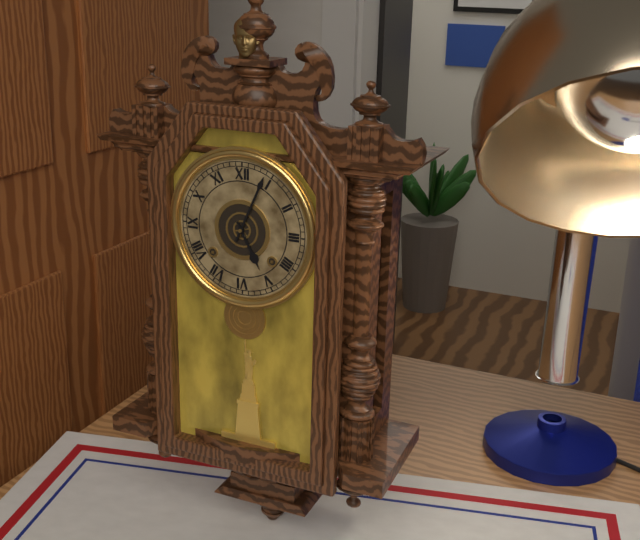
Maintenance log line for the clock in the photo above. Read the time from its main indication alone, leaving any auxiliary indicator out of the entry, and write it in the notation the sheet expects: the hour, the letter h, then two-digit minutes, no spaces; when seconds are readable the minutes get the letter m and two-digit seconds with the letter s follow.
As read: 5h04
